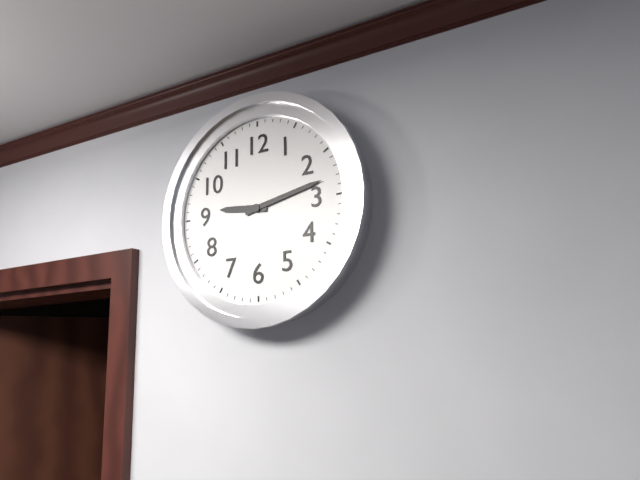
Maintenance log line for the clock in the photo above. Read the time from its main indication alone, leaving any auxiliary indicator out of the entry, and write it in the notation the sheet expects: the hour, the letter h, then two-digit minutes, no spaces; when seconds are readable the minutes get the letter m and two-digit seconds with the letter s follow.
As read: 9h13
